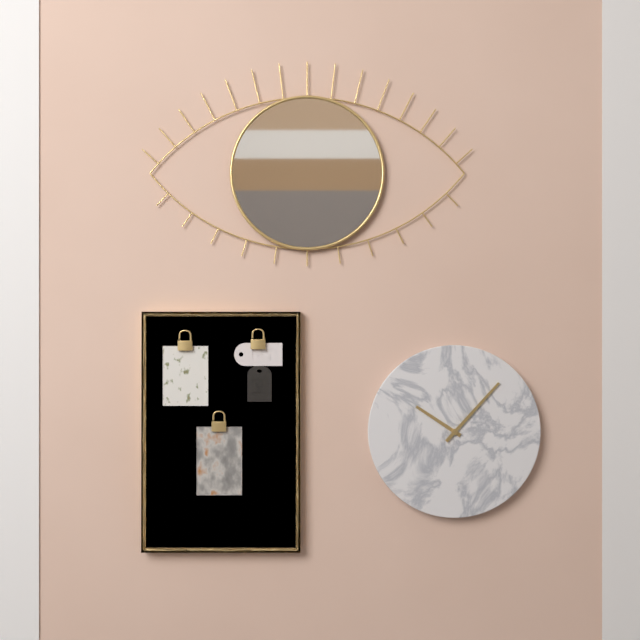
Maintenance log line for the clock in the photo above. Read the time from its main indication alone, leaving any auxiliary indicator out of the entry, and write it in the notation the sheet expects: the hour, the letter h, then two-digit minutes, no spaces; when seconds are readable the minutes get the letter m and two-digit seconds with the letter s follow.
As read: 10h07
